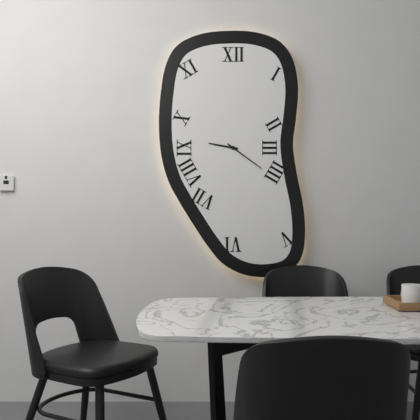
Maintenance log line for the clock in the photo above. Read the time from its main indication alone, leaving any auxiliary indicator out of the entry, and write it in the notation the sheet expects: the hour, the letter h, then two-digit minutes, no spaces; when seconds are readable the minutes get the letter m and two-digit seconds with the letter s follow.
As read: 9h21
